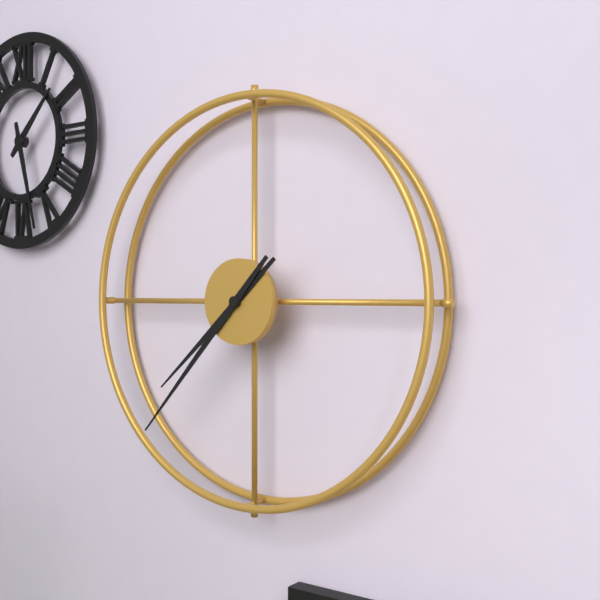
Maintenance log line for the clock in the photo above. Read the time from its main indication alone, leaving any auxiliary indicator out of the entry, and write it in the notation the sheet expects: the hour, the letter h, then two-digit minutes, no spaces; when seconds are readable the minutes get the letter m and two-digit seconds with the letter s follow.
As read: 7h37
